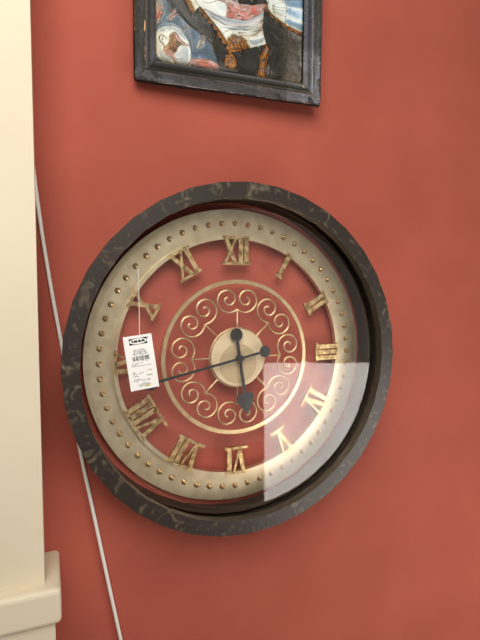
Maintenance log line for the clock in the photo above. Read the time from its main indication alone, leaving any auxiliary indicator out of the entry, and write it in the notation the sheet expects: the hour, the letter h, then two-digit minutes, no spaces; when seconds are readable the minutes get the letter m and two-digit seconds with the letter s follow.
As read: 5h43
